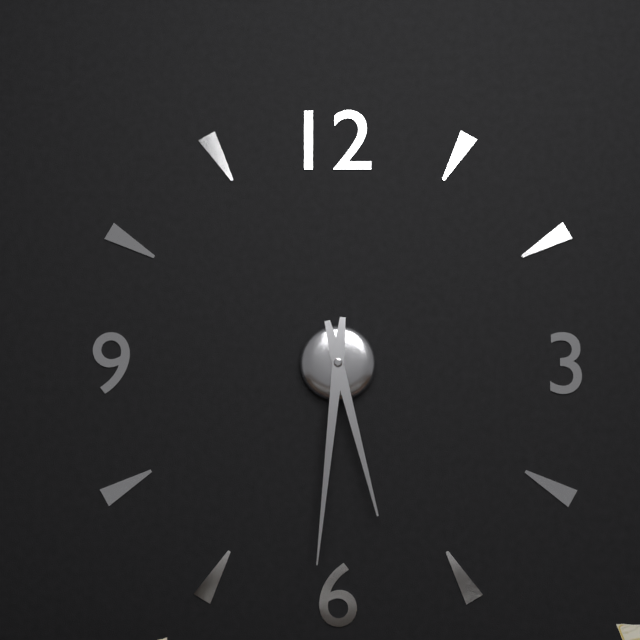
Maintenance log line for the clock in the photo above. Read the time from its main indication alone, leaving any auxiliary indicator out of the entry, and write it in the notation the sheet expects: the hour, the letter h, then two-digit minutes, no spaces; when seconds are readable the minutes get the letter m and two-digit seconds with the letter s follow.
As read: 5h31
